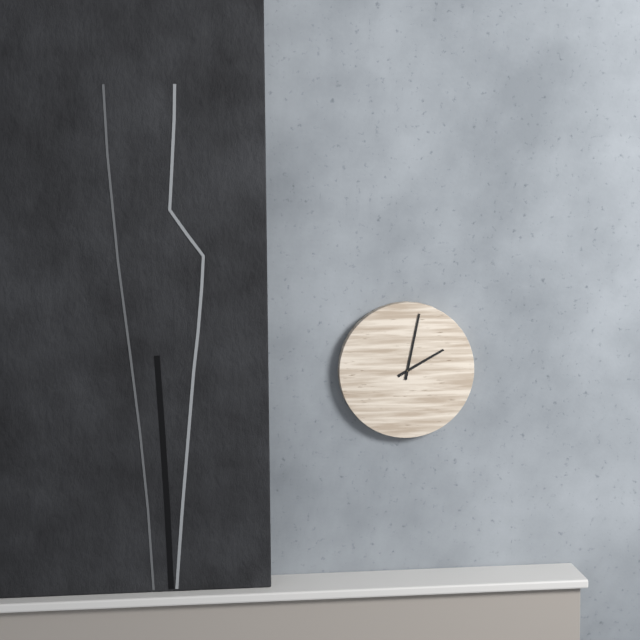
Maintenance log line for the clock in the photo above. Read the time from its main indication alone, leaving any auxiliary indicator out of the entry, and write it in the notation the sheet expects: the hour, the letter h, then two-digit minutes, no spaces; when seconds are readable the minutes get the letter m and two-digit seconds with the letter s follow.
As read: 2h02
